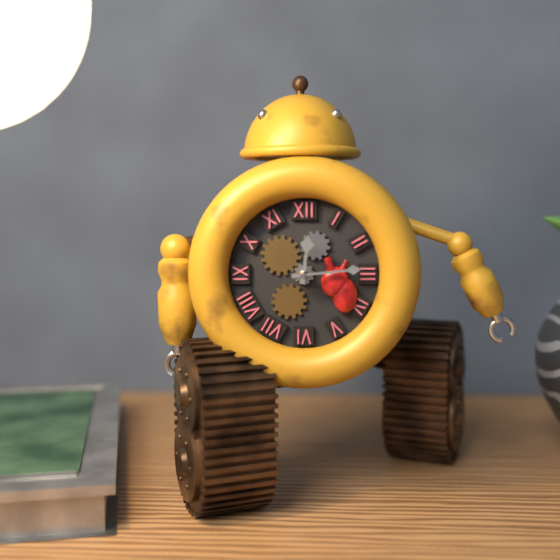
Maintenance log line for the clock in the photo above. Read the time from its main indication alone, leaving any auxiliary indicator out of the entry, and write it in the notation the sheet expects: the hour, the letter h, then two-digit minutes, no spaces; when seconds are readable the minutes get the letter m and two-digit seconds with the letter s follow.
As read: 12h14
